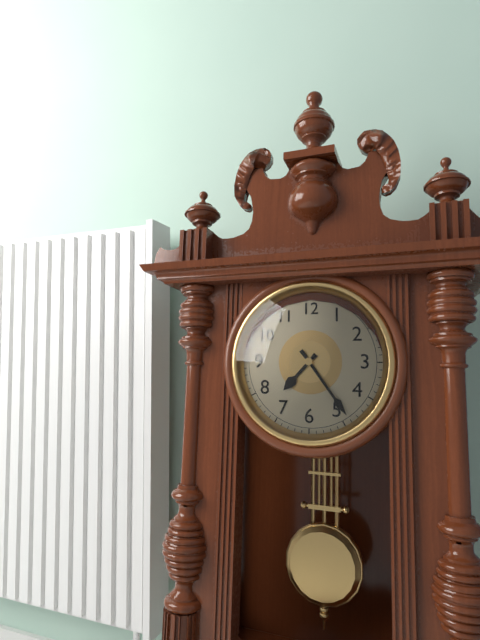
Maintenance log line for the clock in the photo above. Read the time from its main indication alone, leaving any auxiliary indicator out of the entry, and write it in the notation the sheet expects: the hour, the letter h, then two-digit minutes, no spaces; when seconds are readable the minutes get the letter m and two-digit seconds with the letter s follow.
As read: 7h24
